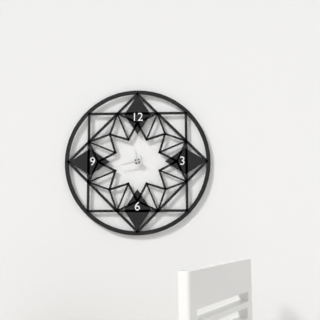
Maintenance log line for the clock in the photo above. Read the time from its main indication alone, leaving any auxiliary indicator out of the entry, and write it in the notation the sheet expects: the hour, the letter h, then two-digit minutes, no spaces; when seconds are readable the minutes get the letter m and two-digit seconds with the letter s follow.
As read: 11h43
